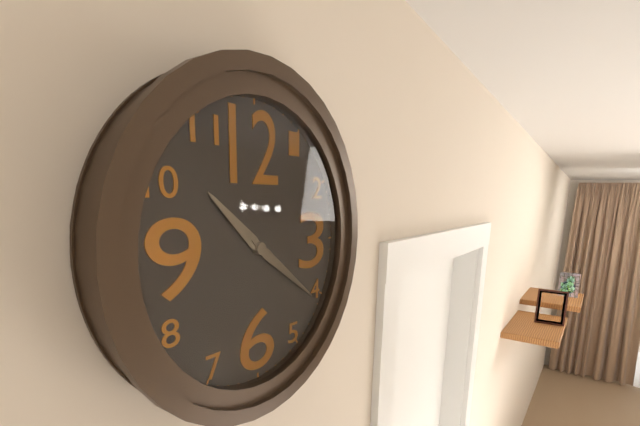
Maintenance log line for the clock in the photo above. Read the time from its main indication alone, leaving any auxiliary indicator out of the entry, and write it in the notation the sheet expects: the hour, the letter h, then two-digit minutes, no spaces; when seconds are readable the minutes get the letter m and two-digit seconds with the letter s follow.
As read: 10h21
